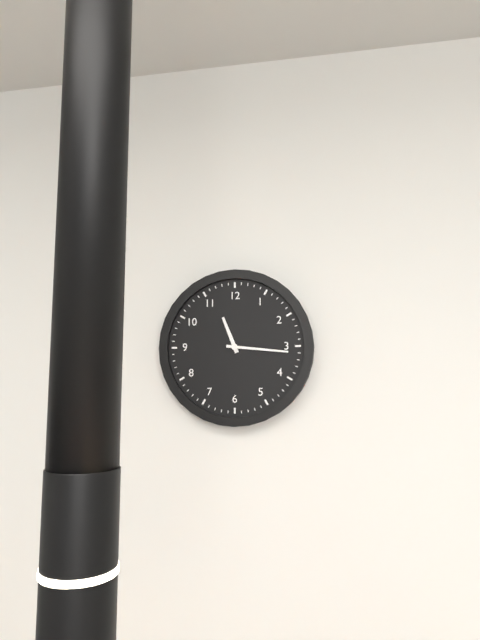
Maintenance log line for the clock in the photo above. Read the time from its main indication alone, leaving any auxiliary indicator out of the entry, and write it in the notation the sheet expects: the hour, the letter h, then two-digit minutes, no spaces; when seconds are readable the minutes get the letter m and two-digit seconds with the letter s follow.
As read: 11h16
